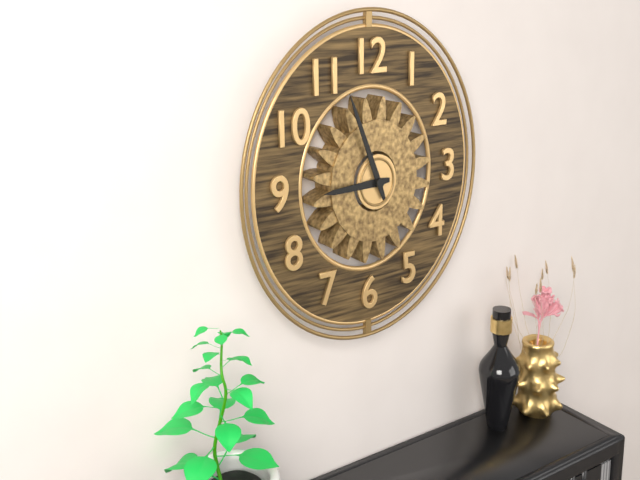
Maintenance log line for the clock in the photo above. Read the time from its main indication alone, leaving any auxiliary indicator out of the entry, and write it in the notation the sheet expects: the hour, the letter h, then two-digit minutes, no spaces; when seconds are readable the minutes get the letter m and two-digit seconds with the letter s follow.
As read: 8h56
